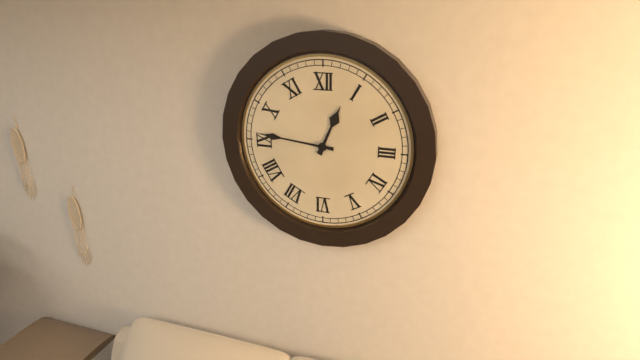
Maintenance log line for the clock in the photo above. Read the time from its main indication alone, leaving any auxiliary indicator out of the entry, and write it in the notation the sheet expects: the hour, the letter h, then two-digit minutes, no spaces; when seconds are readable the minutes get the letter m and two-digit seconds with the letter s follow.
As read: 12h46
